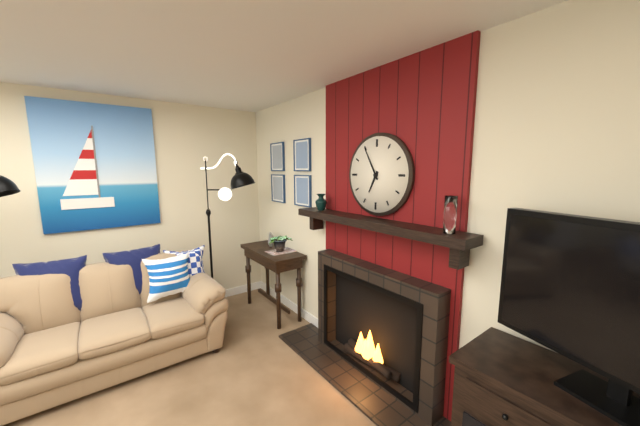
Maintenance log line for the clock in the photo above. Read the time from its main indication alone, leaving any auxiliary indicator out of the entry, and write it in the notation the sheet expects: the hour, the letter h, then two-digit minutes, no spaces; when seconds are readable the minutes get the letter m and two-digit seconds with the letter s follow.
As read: 6h55
